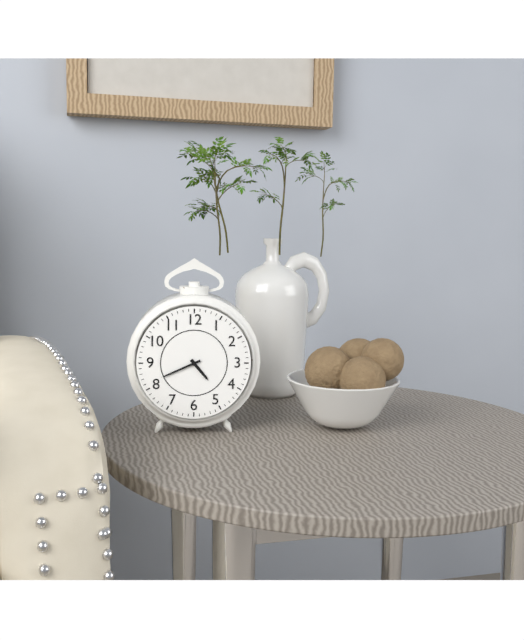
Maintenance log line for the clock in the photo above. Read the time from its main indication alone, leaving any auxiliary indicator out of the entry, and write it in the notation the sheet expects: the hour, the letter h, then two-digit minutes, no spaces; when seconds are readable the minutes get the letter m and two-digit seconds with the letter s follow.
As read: 4h41
